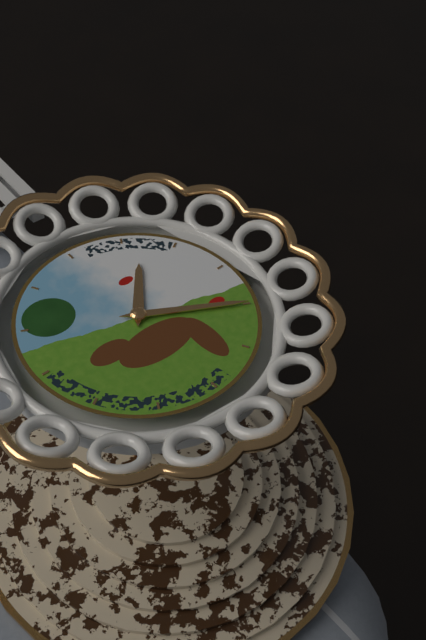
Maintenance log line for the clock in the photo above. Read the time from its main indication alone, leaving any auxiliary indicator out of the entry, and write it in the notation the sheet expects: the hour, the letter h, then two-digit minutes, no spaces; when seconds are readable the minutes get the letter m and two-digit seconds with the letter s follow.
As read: 1h20
